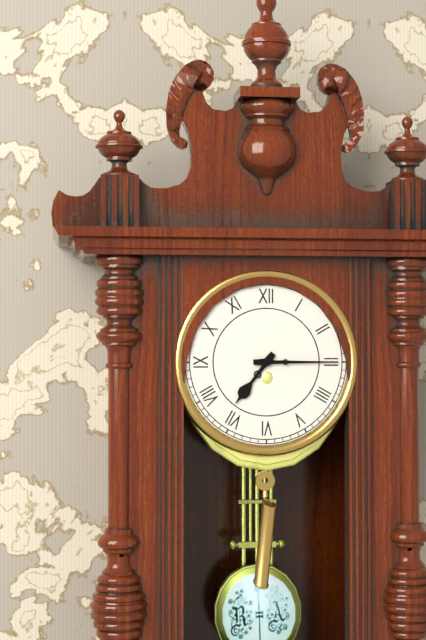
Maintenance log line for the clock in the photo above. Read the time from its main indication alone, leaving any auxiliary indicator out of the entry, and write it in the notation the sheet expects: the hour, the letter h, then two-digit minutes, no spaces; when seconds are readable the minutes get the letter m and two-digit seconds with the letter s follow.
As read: 7h15
